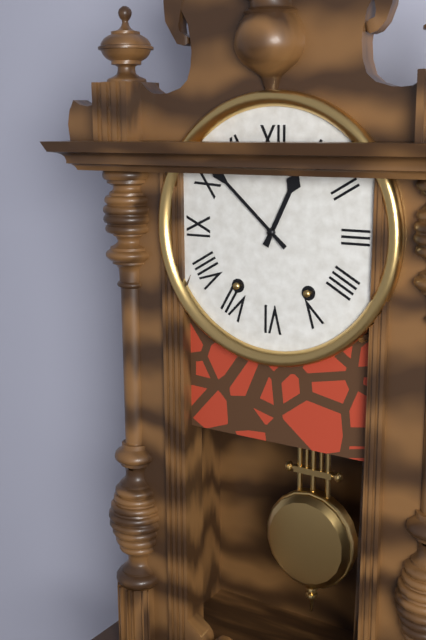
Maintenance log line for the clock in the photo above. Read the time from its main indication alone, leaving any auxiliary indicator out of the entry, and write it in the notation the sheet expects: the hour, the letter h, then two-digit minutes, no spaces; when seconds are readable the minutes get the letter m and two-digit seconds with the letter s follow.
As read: 12h52
